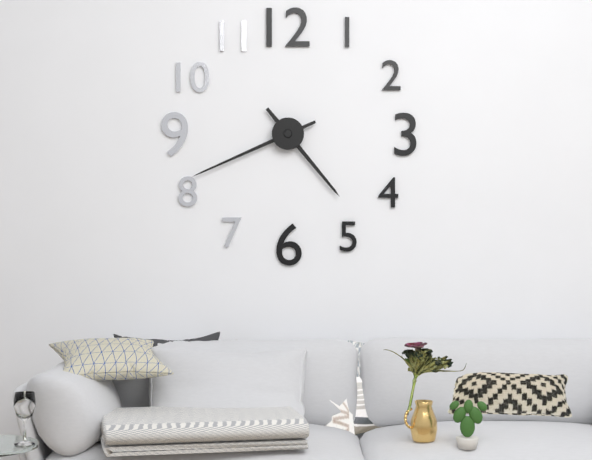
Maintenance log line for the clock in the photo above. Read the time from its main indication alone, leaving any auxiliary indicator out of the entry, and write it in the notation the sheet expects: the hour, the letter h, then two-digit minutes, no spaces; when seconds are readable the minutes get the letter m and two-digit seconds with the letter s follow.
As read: 4h41
